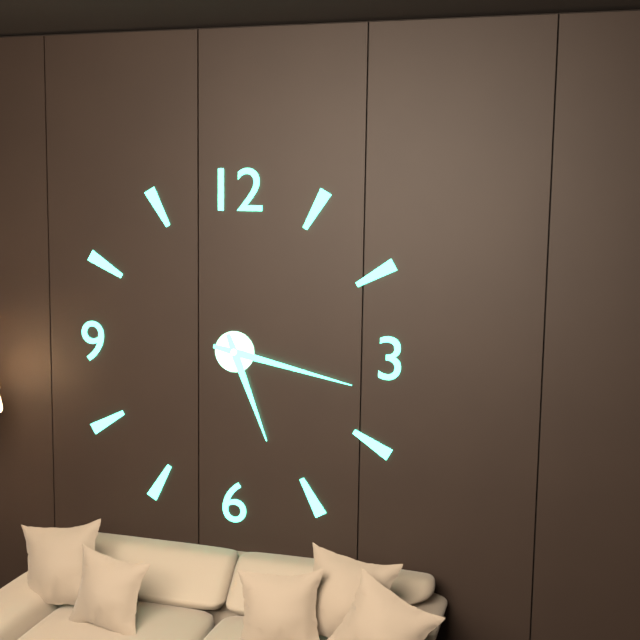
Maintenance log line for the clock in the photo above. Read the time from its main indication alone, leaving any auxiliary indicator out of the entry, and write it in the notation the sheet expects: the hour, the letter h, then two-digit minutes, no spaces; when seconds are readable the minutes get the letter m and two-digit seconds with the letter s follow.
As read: 5h17
